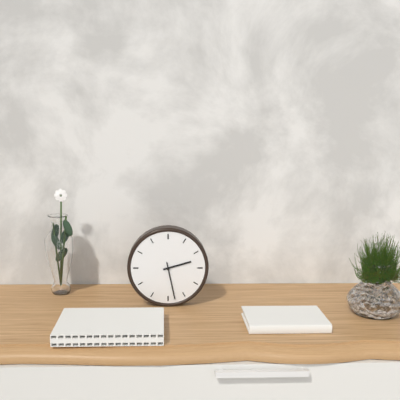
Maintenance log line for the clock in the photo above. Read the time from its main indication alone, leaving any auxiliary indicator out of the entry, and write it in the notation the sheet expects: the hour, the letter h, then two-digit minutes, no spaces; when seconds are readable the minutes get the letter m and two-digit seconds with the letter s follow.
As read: 2h28
